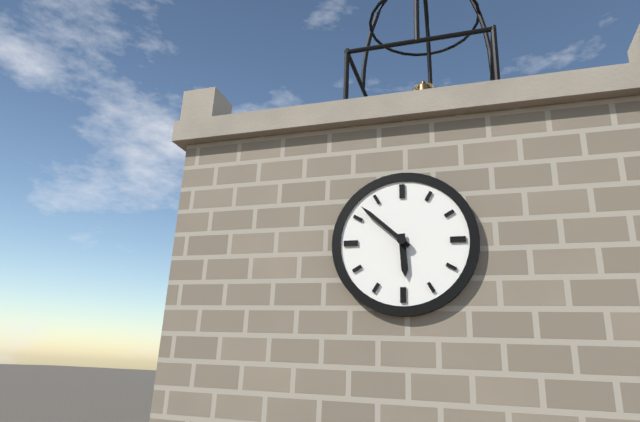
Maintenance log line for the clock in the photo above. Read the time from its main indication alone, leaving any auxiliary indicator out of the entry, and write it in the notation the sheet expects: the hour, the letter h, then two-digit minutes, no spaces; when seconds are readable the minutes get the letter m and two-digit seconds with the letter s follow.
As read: 5h52
